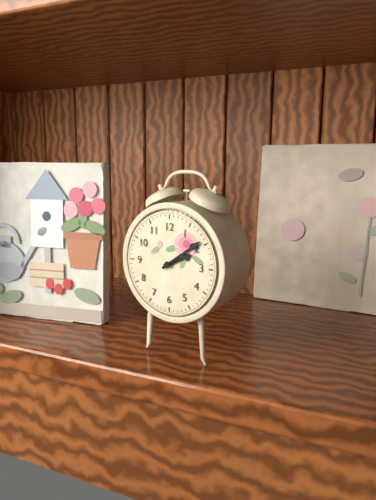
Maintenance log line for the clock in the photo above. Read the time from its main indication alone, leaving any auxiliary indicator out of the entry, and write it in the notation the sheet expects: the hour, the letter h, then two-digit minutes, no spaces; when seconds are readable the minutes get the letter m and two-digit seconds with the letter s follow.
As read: 2h09
